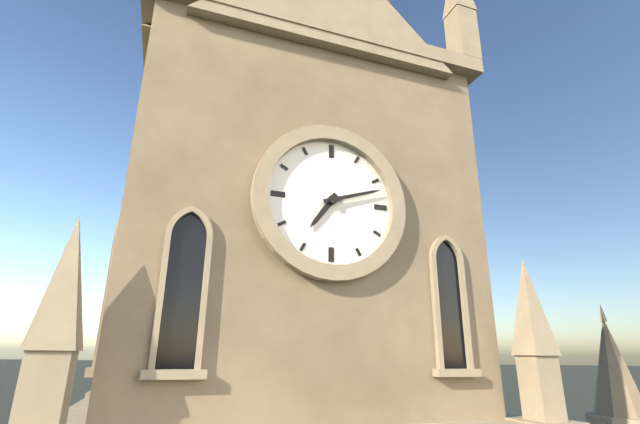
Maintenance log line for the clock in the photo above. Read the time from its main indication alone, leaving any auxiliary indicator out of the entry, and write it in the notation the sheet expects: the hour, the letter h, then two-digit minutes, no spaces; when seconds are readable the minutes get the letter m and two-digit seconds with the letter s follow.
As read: 7h12
